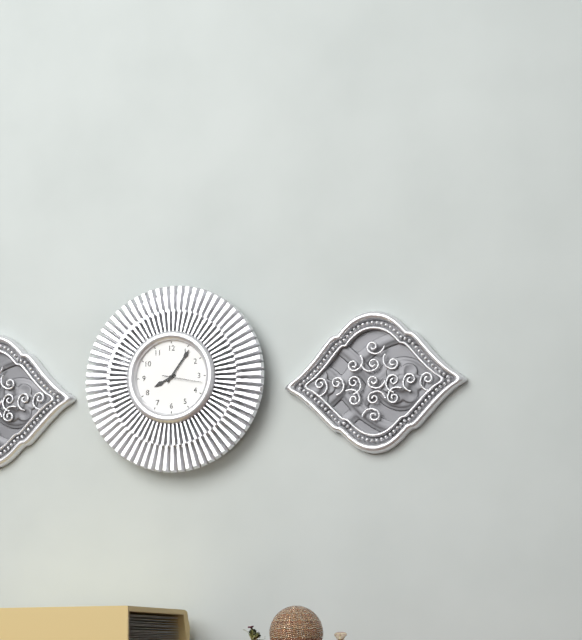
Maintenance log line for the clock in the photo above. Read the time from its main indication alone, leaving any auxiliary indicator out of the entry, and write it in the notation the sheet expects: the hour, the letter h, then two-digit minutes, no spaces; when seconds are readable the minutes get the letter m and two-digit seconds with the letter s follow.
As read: 8h06
